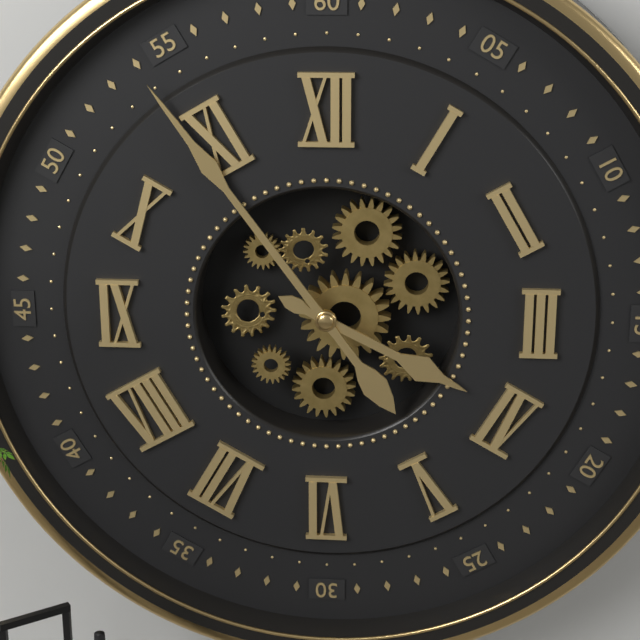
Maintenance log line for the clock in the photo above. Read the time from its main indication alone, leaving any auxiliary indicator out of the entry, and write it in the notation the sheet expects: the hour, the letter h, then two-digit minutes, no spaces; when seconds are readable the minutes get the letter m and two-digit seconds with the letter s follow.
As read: 3h54
